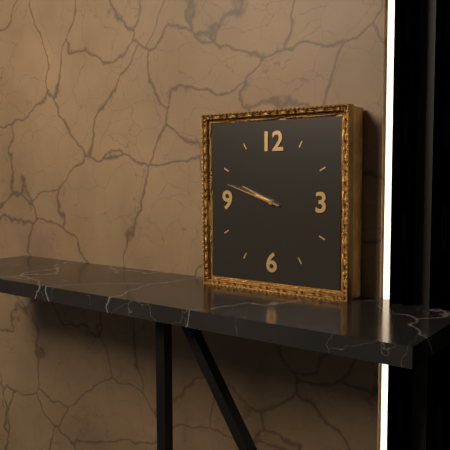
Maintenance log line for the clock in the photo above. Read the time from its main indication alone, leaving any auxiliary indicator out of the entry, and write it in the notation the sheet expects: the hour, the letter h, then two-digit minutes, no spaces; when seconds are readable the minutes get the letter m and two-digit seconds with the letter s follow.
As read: 9h48
